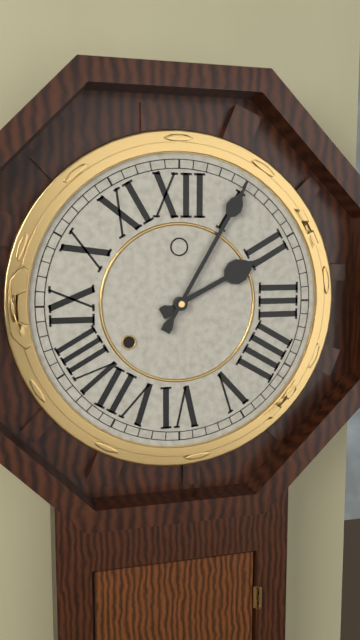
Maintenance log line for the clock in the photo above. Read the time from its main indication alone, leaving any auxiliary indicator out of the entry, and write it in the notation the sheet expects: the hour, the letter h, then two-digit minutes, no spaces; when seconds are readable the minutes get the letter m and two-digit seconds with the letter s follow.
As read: 2h05
